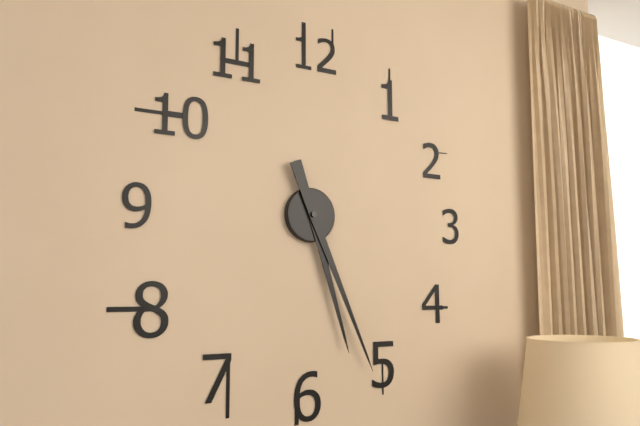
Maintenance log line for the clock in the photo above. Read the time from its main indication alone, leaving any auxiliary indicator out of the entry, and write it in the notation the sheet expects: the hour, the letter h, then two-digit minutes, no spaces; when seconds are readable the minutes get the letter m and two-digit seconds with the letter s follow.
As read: 5h26
